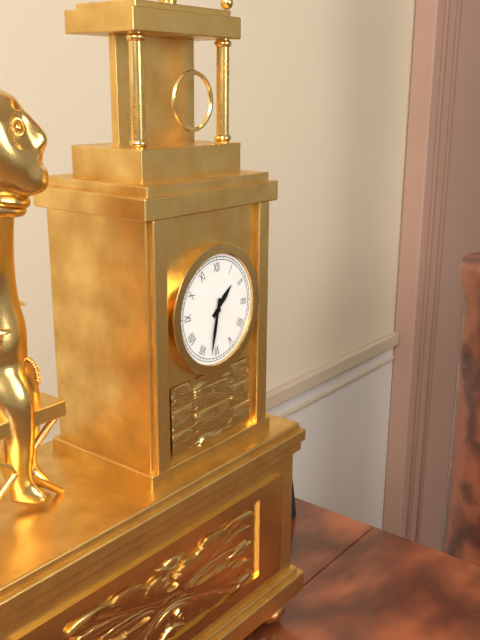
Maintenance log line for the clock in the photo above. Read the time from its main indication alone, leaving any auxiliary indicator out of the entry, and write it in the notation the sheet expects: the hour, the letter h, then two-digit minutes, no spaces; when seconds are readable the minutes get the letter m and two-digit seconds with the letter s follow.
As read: 1h32
